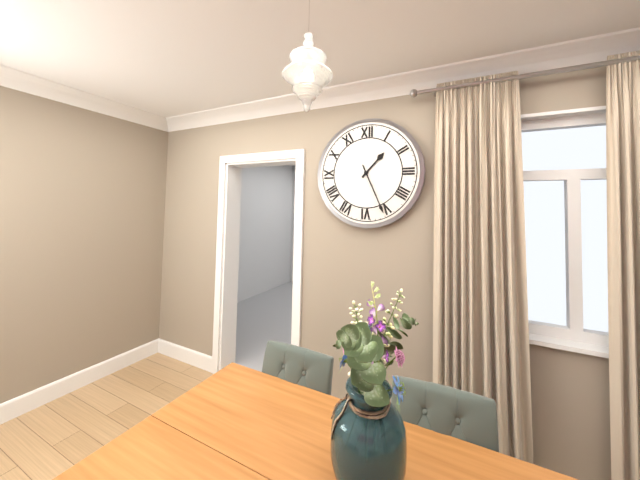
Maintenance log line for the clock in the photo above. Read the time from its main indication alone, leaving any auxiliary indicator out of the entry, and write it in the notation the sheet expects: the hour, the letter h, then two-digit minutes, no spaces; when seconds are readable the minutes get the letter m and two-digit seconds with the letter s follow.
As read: 1h26
